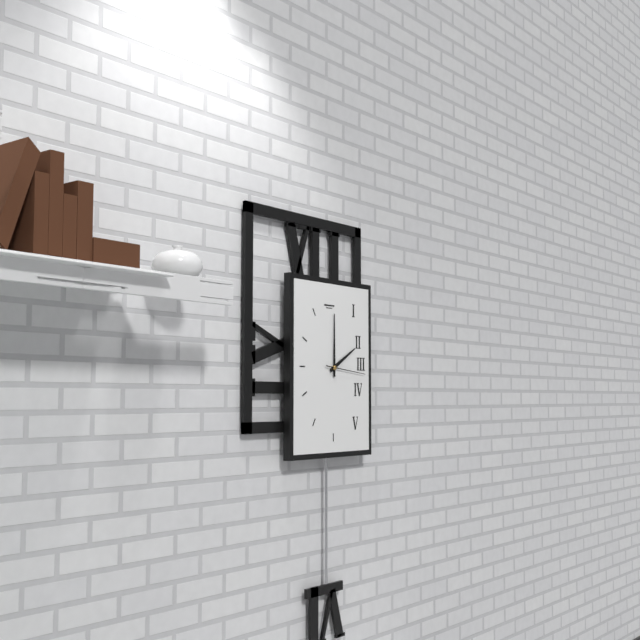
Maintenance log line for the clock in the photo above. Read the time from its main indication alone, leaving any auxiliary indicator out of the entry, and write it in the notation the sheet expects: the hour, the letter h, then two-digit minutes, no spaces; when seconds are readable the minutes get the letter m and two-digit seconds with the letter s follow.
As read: 2h00
